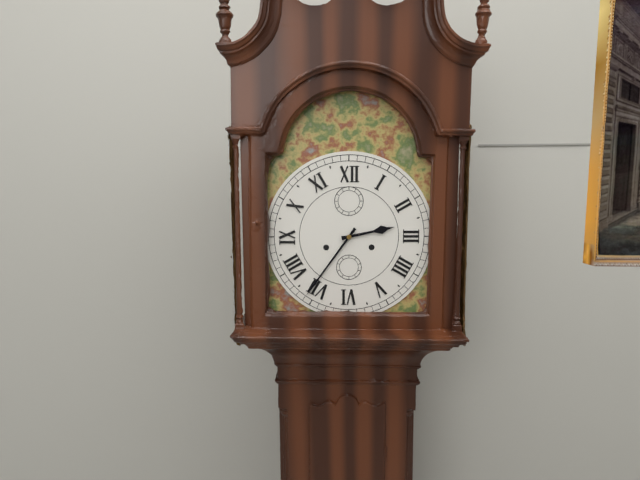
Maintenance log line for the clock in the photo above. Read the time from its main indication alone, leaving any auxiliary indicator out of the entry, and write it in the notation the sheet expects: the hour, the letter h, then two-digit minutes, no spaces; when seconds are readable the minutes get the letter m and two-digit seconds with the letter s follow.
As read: 2h36
